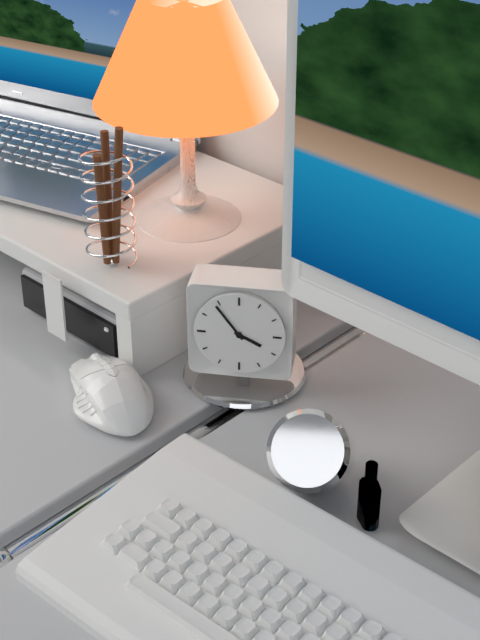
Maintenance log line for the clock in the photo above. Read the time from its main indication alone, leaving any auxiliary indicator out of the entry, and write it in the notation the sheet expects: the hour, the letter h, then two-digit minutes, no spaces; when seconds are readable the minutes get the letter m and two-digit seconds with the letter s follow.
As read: 3h54
